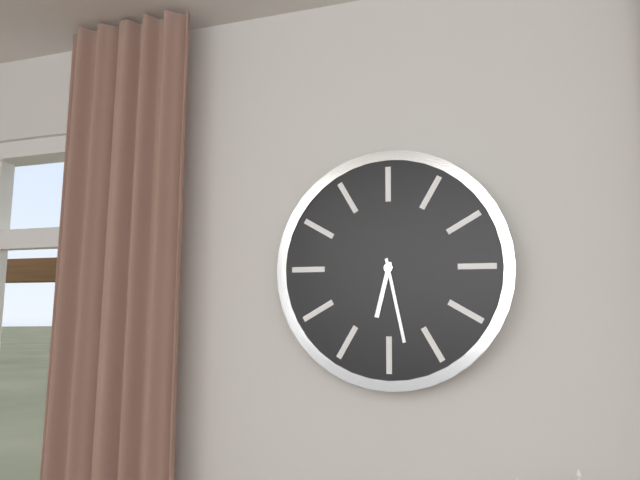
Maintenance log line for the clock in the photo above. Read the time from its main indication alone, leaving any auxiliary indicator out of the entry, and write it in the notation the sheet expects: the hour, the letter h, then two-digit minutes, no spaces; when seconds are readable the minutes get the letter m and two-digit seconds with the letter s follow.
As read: 6h28
